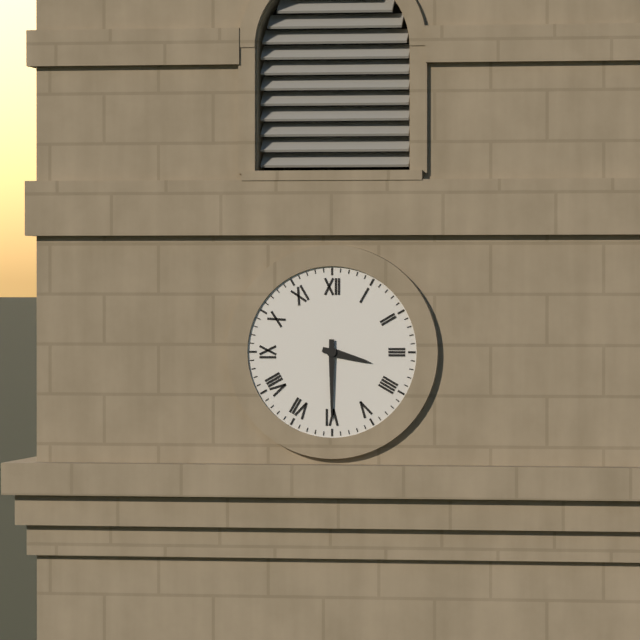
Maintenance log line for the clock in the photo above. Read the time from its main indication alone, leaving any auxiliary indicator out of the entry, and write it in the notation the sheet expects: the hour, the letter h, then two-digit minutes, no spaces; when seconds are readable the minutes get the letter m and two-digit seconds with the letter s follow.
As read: 3h30
